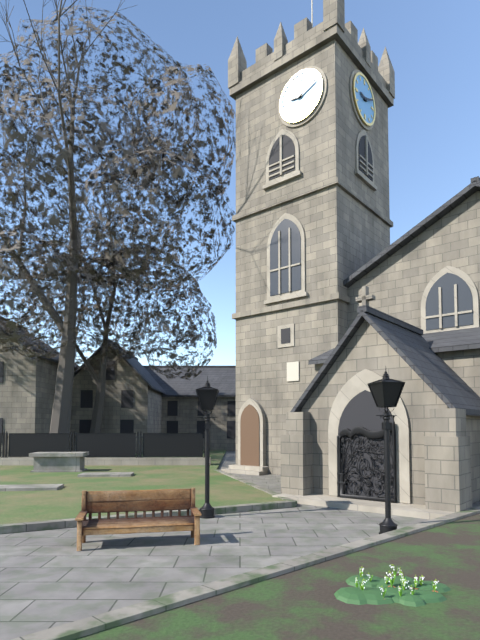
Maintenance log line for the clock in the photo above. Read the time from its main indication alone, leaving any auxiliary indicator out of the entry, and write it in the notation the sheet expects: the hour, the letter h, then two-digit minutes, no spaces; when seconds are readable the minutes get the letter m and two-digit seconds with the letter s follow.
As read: 9h11
